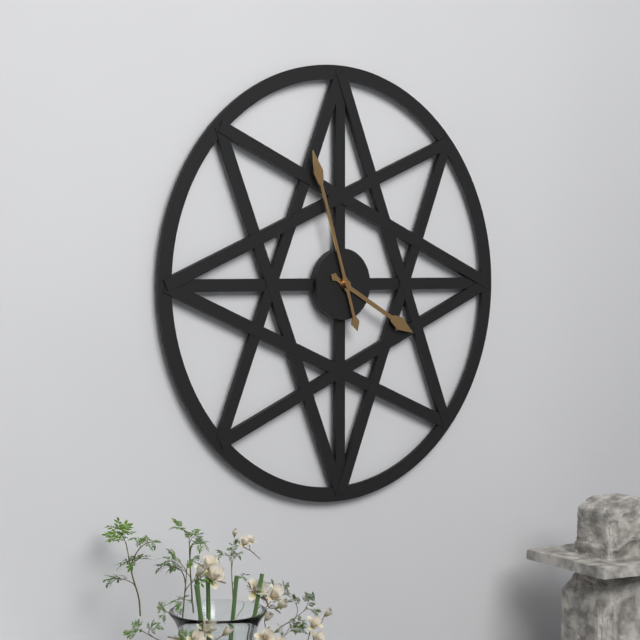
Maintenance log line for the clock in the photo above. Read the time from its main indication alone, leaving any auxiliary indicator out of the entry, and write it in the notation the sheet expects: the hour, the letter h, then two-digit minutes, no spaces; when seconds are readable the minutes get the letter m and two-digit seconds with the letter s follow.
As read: 3h57
